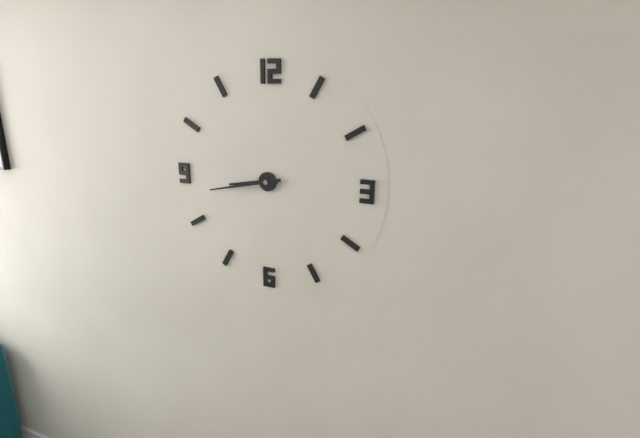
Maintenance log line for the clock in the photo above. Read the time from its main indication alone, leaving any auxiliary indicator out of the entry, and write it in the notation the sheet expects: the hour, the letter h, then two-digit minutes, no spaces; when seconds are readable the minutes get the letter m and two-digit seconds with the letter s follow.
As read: 8h43
